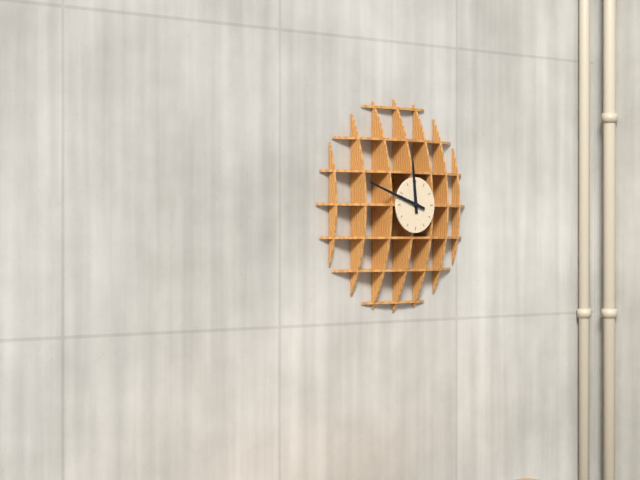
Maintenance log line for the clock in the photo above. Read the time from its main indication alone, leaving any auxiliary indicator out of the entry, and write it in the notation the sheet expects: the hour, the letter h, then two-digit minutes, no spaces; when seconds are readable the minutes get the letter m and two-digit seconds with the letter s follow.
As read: 11h48
